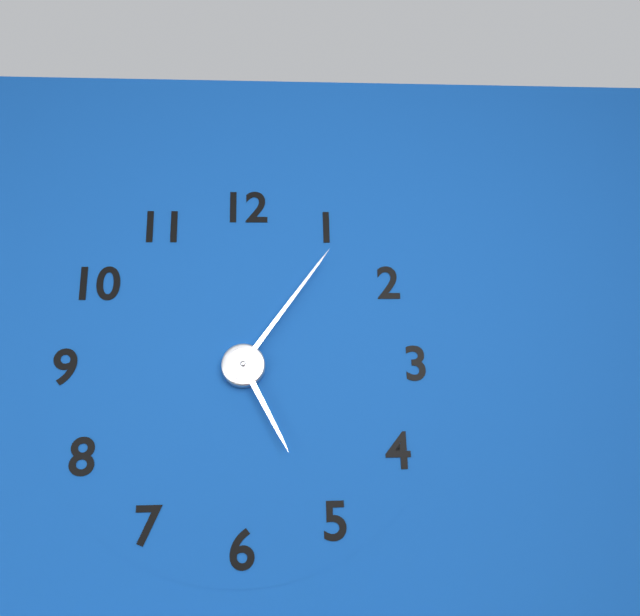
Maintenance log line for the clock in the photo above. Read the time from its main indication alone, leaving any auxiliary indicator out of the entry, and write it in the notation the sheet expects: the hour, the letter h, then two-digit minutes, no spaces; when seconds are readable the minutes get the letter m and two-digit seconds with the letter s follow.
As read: 5h06
